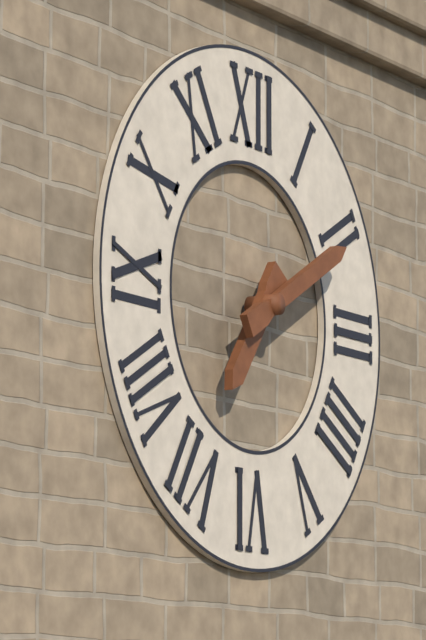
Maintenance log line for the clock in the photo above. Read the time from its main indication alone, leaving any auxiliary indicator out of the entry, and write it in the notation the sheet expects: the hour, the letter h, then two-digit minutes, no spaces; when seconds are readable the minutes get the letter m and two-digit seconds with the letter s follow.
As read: 7h10
